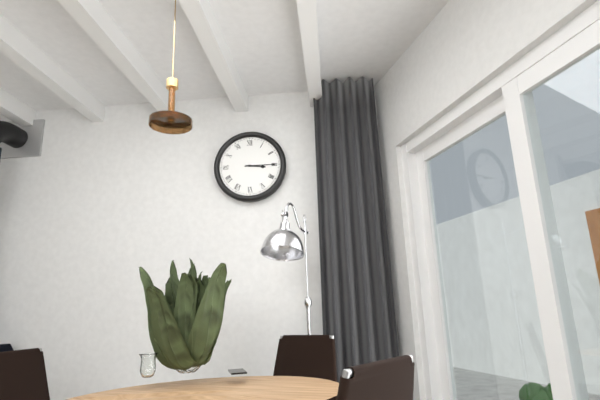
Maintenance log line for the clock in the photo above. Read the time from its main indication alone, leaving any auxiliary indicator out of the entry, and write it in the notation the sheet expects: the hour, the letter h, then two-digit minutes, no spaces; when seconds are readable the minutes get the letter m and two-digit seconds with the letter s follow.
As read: 3h15
